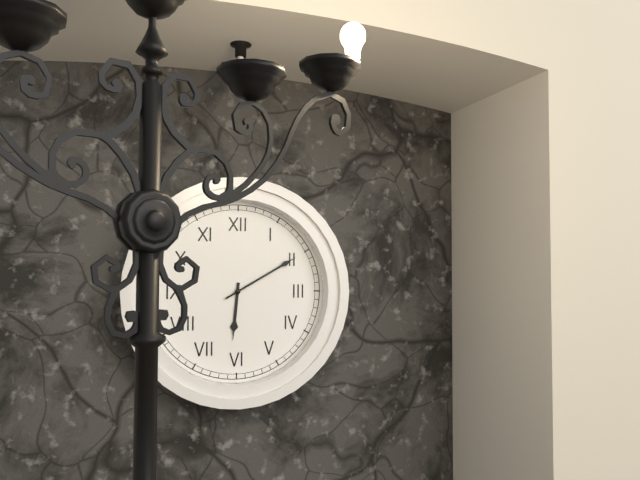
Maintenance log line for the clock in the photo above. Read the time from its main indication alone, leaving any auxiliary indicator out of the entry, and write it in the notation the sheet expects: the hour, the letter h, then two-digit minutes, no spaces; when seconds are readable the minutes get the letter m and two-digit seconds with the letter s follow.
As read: 6h10
